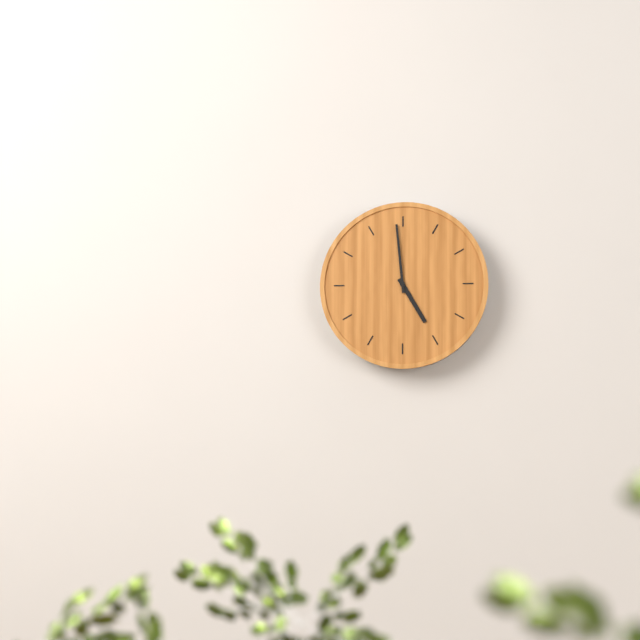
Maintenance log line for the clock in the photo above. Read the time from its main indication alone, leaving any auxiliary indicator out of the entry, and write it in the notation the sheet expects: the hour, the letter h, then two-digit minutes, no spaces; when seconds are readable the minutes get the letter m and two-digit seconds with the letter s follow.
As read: 4h59
